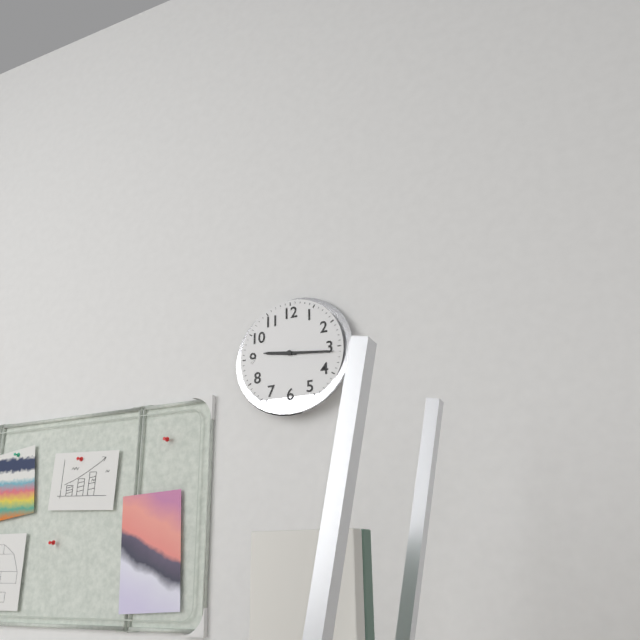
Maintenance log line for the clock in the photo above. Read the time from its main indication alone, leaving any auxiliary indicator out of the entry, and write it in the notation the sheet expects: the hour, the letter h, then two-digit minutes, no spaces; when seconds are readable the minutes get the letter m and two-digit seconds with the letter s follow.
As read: 9h16
